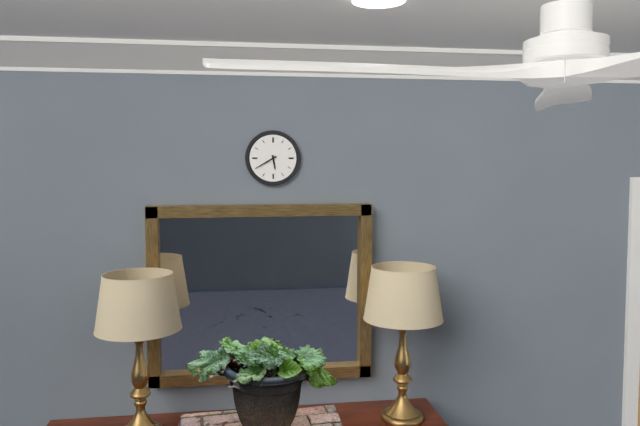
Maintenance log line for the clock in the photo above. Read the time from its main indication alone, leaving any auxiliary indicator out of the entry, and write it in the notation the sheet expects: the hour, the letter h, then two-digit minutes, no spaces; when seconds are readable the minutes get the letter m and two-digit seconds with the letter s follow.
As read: 5h40
